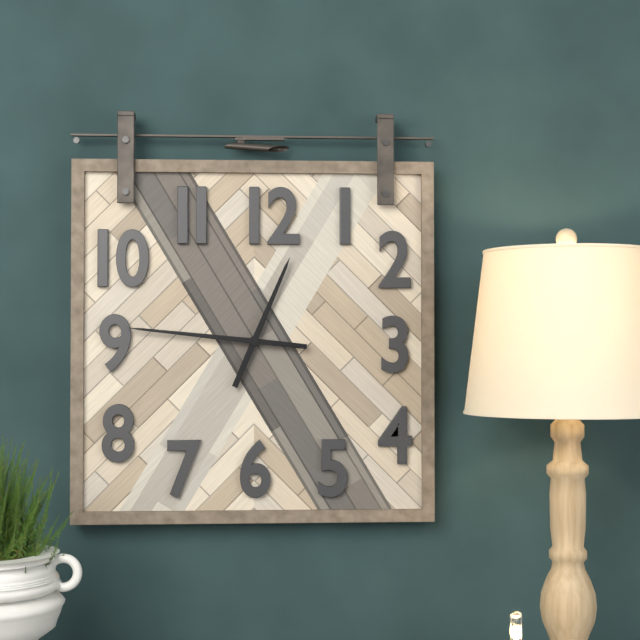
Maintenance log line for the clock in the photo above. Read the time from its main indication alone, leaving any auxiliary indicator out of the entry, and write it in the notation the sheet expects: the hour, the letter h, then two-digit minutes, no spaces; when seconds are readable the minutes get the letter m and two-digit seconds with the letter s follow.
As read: 12h46
